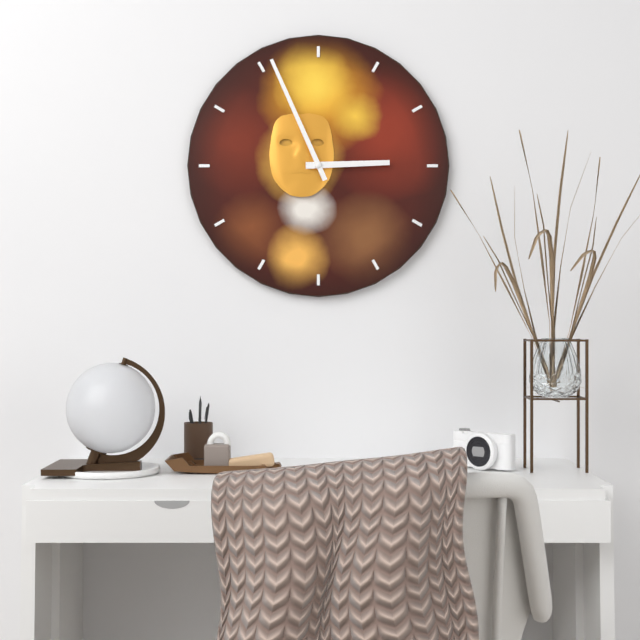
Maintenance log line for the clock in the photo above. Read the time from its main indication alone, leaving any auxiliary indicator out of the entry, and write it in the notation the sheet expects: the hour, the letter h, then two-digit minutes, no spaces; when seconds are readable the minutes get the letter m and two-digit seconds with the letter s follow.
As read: 2h56
